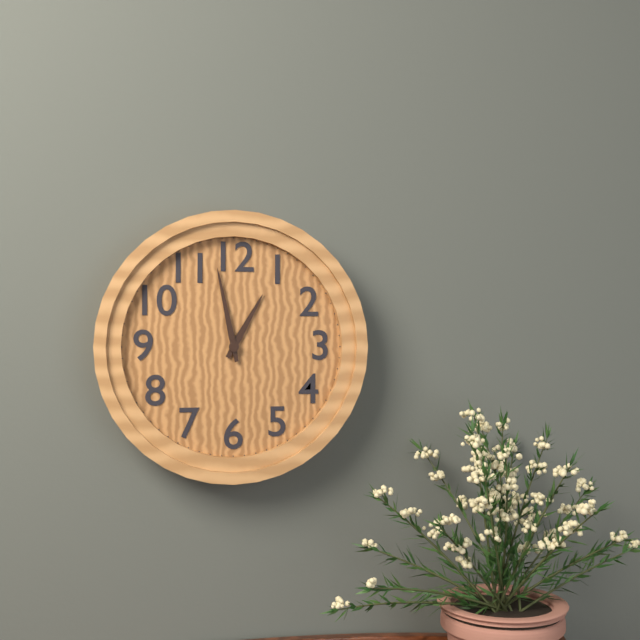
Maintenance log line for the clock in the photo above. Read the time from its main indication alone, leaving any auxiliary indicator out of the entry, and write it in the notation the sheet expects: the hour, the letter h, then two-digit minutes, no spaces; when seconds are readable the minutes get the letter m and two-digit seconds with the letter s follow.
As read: 12h58
